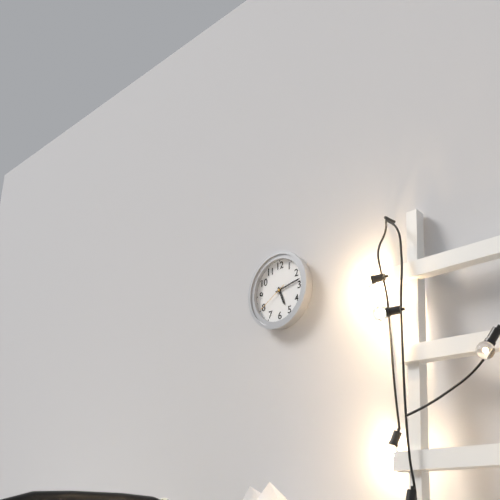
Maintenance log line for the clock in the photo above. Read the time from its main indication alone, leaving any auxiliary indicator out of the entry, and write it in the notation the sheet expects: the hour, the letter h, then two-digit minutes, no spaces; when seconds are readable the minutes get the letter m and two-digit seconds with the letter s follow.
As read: 5h13
